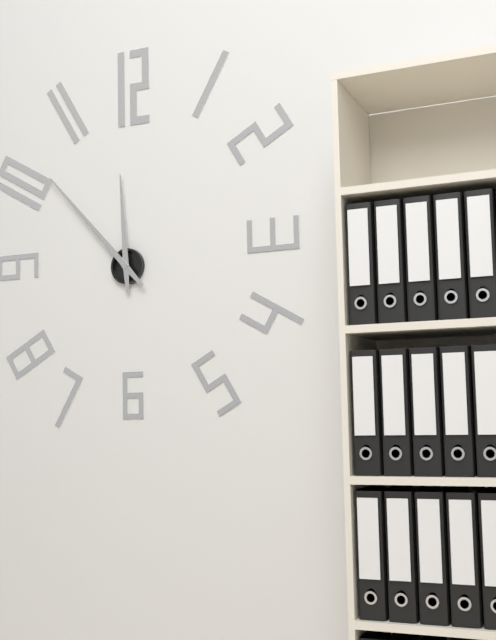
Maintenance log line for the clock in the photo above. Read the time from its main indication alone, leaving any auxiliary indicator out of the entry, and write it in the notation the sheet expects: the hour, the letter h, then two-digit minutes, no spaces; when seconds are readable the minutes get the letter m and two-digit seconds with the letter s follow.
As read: 11h53
